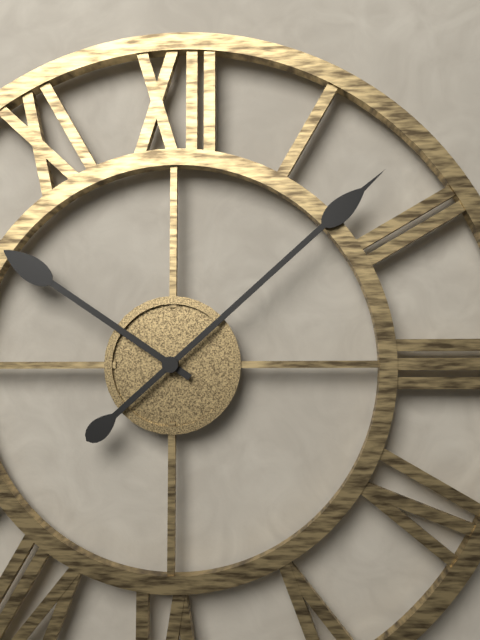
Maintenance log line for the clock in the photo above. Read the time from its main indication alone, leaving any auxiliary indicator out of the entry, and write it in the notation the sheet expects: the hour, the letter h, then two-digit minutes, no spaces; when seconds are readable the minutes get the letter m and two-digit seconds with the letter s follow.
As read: 10h08
